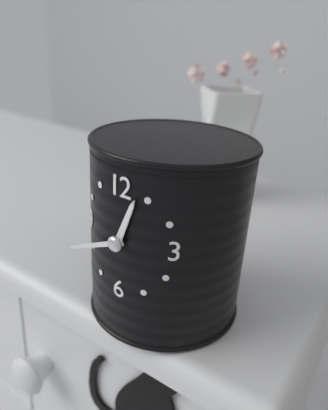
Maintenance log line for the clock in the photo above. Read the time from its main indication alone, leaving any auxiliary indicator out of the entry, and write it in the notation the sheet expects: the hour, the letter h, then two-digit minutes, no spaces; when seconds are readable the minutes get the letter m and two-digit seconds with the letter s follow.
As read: 12h41
